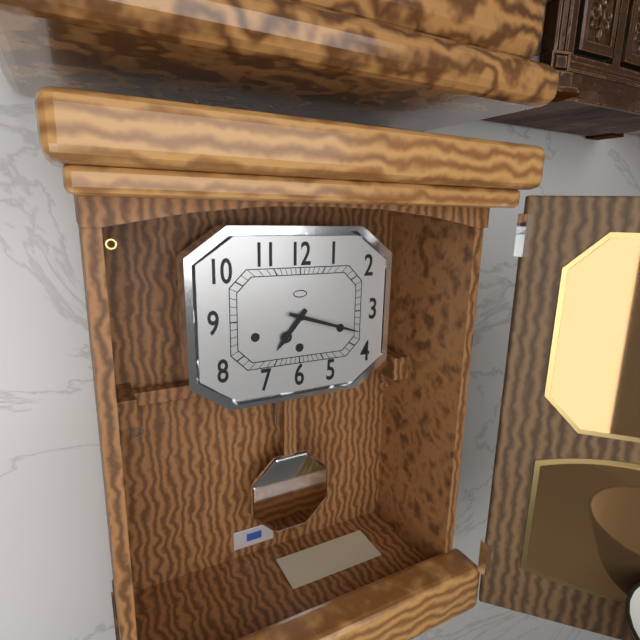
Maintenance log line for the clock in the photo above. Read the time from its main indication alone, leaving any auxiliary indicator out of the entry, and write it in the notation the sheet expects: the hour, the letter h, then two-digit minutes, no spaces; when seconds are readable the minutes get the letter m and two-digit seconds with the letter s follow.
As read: 7h18
